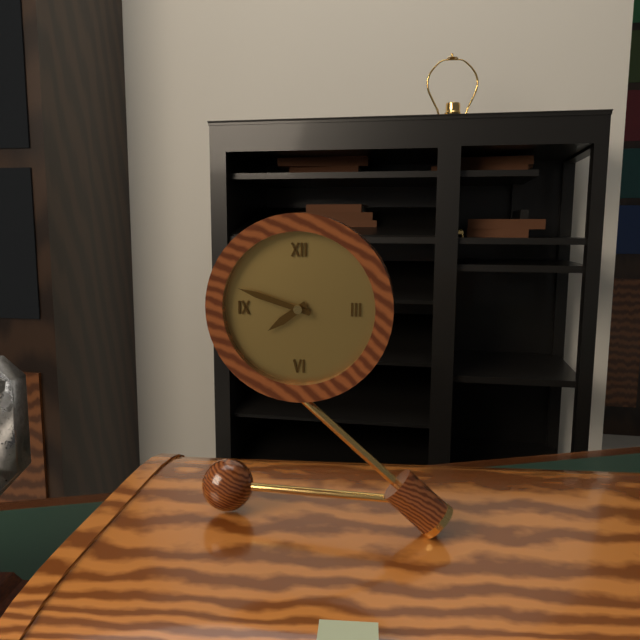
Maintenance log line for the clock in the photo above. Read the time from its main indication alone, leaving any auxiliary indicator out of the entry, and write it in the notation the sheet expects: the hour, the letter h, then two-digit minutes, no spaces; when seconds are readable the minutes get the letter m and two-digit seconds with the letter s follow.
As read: 7h48
